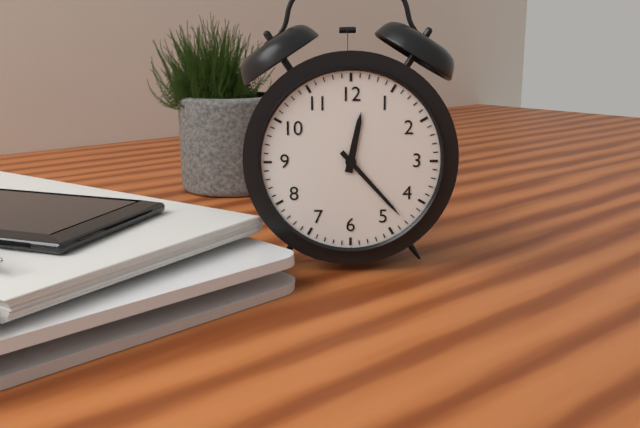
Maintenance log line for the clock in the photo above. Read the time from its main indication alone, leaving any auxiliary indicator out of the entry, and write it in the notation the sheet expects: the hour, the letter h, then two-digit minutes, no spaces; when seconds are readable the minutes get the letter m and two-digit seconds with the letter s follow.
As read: 12h23
